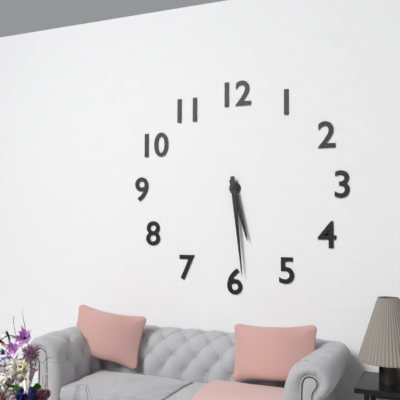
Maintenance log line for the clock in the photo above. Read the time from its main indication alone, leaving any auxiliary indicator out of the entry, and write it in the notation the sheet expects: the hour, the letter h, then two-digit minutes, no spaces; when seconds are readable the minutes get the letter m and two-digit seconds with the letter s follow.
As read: 5h29
